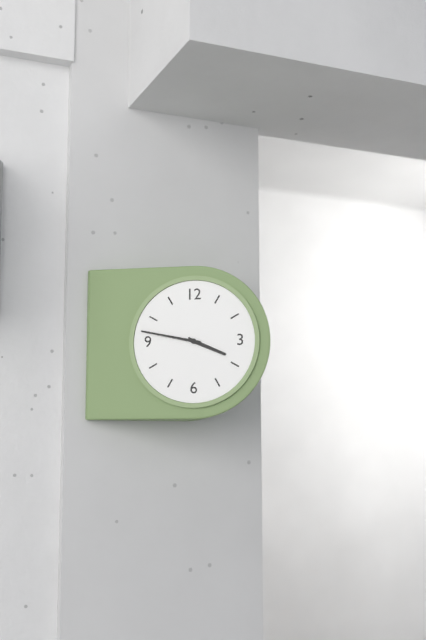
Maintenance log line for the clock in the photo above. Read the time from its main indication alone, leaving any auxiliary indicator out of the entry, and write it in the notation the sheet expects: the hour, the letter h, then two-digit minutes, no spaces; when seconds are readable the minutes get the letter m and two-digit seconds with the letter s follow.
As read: 3h47
